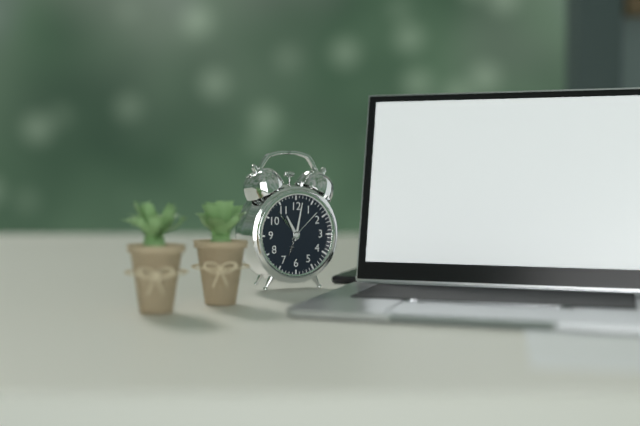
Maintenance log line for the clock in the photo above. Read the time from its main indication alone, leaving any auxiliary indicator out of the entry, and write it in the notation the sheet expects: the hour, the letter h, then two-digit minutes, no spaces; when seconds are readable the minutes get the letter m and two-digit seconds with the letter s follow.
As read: 11h02
